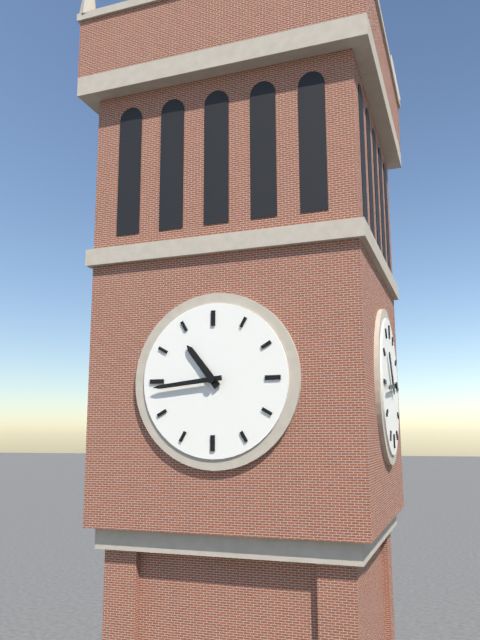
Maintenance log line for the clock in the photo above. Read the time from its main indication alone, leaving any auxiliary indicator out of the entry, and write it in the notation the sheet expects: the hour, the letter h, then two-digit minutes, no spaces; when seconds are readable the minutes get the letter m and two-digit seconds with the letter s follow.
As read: 10h44
